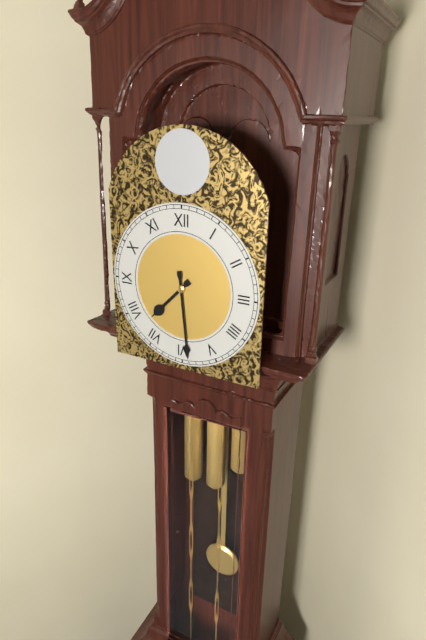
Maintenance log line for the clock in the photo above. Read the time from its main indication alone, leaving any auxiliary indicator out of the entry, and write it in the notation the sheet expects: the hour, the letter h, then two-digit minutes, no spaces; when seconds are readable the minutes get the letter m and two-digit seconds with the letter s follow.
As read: 7h29
